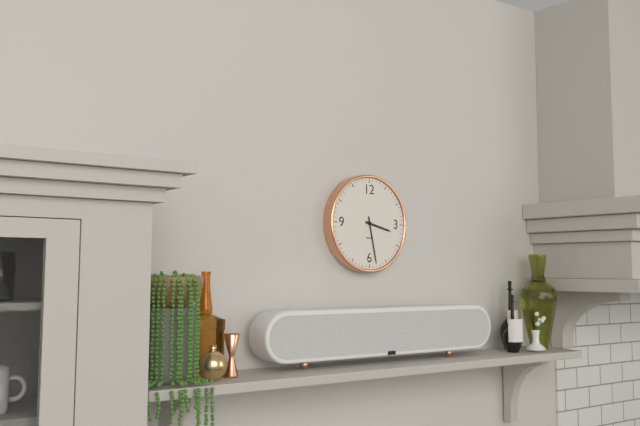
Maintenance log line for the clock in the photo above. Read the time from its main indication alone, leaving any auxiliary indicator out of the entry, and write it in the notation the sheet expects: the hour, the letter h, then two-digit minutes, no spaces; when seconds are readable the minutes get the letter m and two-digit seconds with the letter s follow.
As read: 3h28
